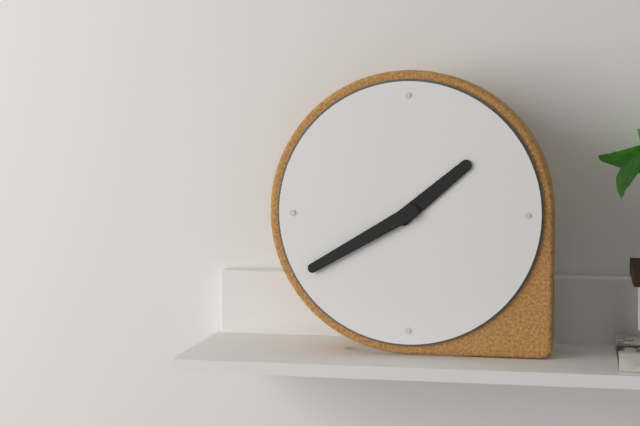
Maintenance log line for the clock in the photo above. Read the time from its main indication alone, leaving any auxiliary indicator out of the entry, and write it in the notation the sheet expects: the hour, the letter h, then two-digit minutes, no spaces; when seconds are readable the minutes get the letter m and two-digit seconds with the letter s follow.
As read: 1h40
